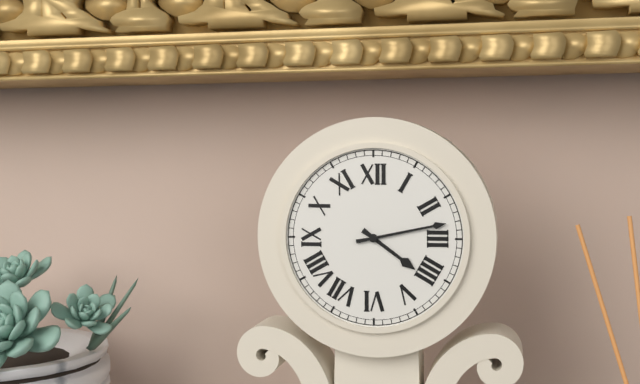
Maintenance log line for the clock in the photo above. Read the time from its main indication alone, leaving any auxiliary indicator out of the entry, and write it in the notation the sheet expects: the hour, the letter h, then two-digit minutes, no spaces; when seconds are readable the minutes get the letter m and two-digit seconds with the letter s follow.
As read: 4h13
